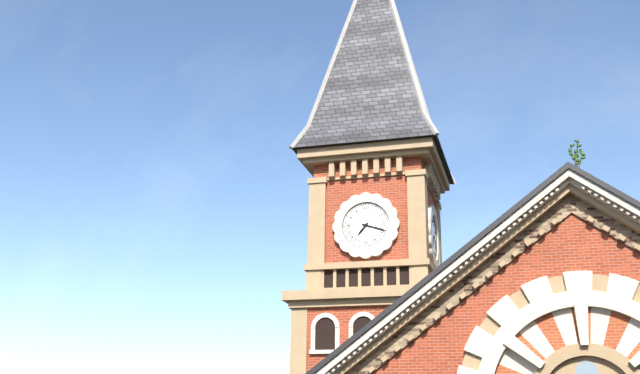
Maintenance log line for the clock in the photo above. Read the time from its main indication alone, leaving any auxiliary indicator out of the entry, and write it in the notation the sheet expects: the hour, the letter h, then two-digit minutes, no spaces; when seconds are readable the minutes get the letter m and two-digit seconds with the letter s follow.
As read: 7h18
